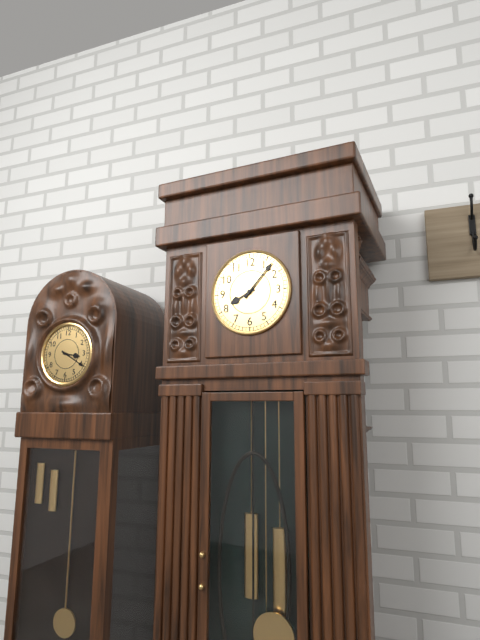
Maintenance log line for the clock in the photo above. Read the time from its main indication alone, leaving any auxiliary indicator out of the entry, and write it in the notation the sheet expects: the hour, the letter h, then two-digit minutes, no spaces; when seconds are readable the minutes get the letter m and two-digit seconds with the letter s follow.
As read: 8h07
